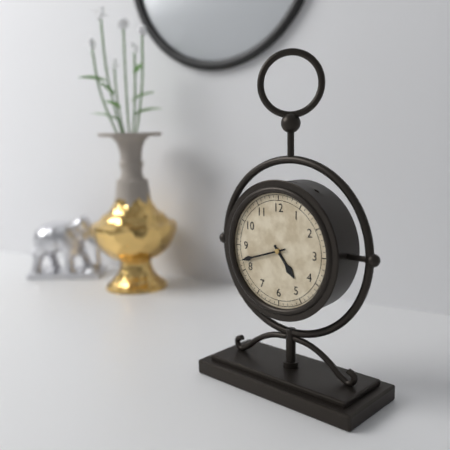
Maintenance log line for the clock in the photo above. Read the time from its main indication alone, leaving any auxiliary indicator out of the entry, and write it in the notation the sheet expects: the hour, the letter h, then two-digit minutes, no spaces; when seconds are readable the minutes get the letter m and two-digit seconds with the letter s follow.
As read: 4h42
